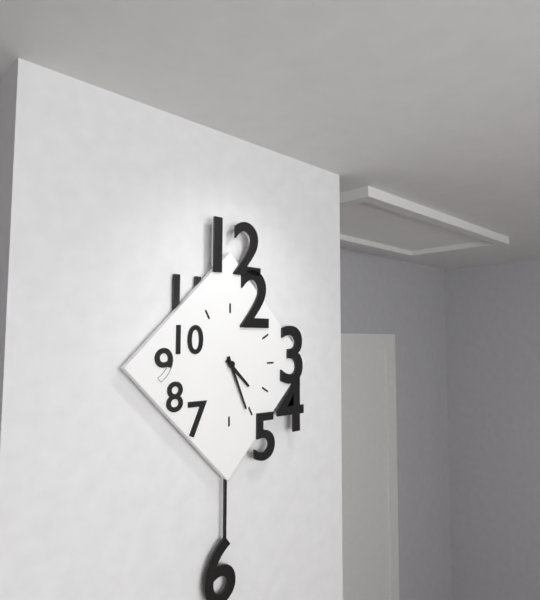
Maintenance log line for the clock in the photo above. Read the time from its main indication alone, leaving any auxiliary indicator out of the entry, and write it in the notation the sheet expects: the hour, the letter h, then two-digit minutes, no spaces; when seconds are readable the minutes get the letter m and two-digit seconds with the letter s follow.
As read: 4h26
